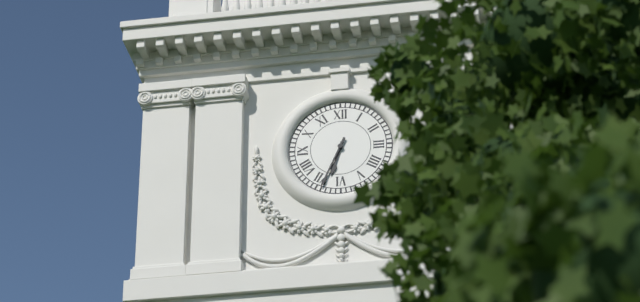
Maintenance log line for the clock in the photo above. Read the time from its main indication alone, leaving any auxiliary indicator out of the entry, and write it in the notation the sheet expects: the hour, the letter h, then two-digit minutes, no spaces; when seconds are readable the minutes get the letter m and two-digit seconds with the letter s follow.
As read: 6h34
